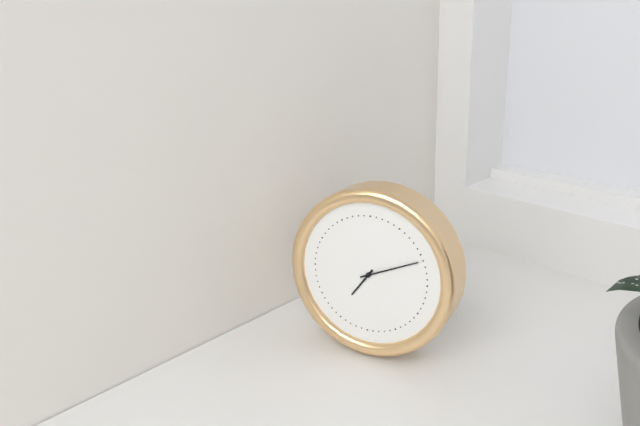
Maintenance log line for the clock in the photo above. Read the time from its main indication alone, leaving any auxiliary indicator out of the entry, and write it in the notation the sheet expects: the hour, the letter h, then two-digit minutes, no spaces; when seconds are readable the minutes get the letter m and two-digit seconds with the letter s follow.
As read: 7h11
